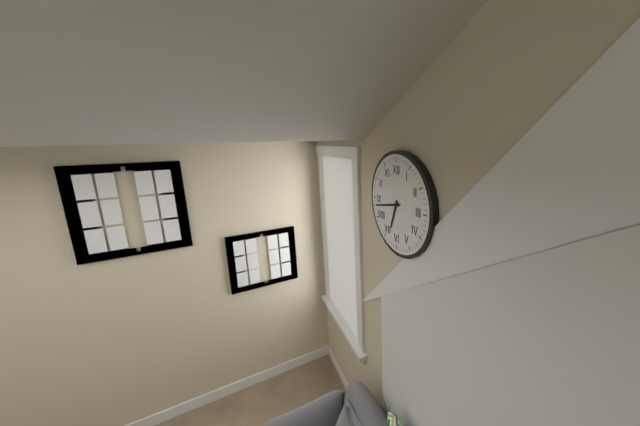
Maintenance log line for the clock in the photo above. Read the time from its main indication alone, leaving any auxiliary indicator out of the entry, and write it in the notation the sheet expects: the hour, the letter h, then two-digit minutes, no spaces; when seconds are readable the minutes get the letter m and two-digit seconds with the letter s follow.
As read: 6h43
